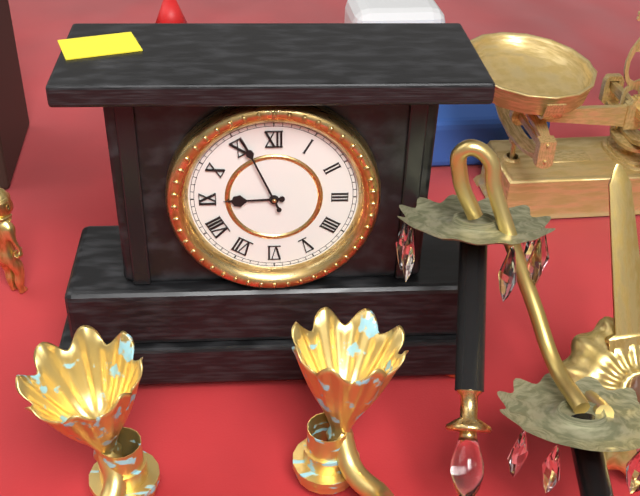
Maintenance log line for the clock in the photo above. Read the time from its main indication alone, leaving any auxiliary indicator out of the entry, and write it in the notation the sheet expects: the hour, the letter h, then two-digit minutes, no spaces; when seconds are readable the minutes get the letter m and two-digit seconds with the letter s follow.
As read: 8h56
